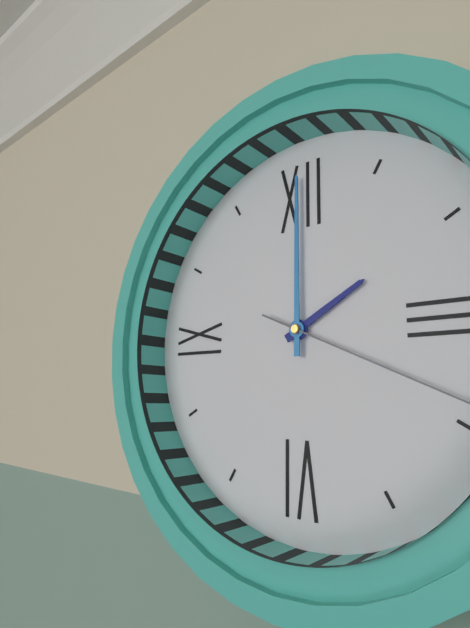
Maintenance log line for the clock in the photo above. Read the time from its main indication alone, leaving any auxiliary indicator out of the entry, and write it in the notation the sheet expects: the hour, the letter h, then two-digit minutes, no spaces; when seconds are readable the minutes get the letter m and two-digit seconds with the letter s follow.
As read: 2h00
